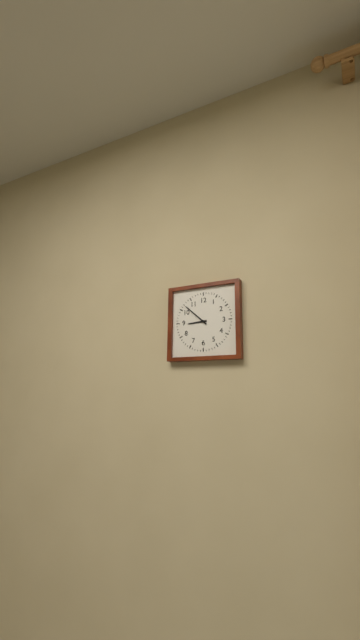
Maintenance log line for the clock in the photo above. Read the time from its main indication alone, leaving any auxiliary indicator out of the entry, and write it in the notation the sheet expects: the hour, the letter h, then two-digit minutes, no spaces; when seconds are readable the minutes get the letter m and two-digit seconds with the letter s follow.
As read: 8h52
